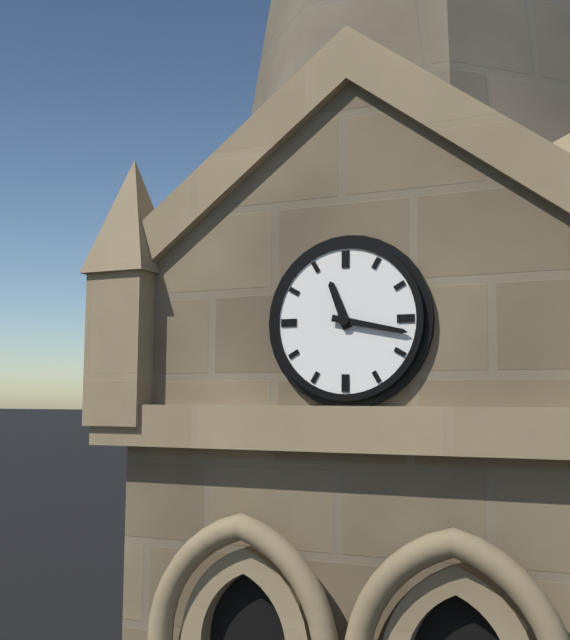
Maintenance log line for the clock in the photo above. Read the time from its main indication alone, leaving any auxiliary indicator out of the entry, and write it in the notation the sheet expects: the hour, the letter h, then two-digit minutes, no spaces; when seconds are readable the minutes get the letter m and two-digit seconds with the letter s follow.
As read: 11h17
